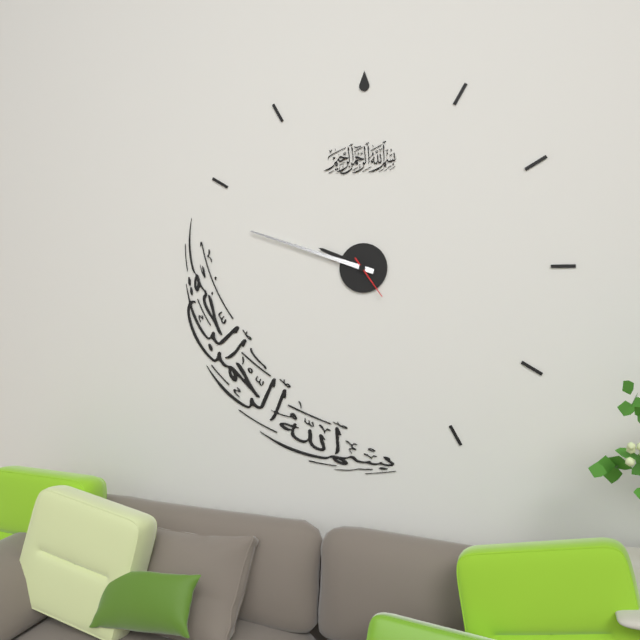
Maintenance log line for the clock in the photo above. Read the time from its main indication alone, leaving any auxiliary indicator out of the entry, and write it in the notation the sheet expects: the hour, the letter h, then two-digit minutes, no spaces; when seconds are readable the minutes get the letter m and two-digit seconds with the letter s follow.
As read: 9h48
